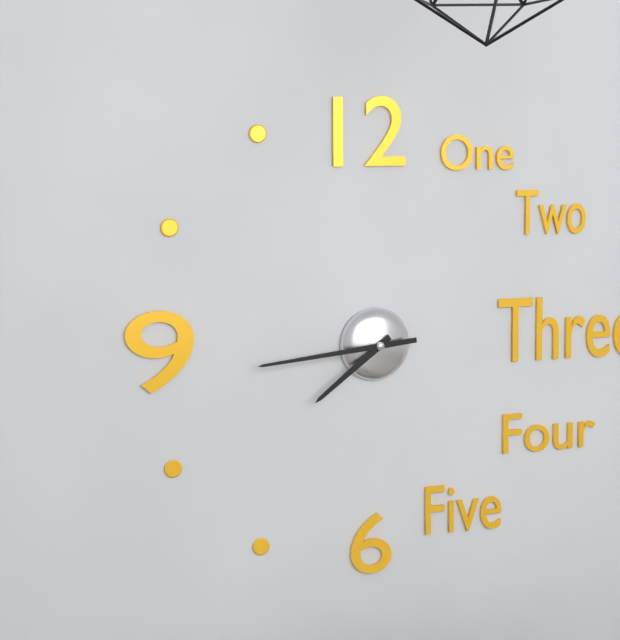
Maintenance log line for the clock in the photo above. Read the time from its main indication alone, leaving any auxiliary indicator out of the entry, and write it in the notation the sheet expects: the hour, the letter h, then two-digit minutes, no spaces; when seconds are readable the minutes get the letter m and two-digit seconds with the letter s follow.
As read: 7h44
